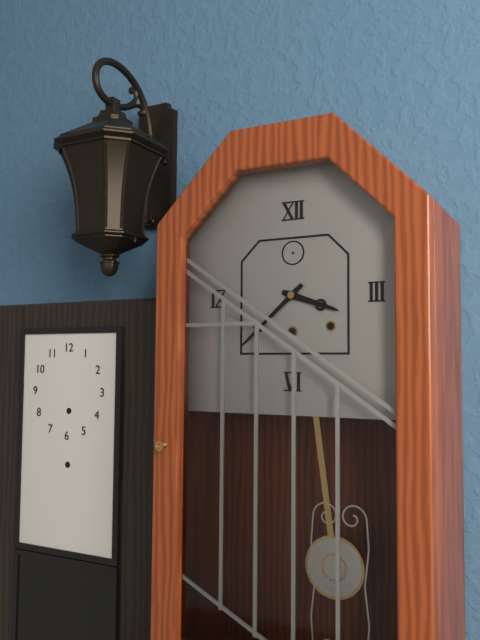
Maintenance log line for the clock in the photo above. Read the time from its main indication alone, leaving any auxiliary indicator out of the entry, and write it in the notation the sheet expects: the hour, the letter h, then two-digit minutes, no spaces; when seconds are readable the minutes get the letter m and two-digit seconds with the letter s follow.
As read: 3h38
